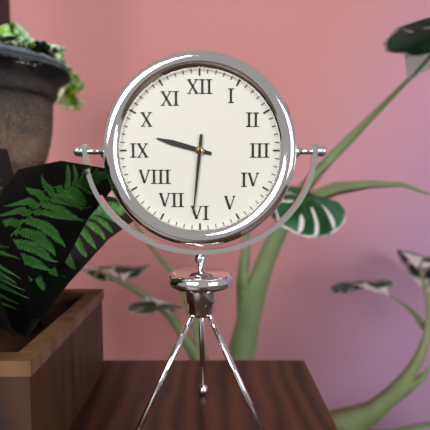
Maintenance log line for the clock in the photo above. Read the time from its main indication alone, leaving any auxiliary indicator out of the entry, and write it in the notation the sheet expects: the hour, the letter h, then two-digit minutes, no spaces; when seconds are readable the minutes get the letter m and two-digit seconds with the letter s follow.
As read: 9h31
